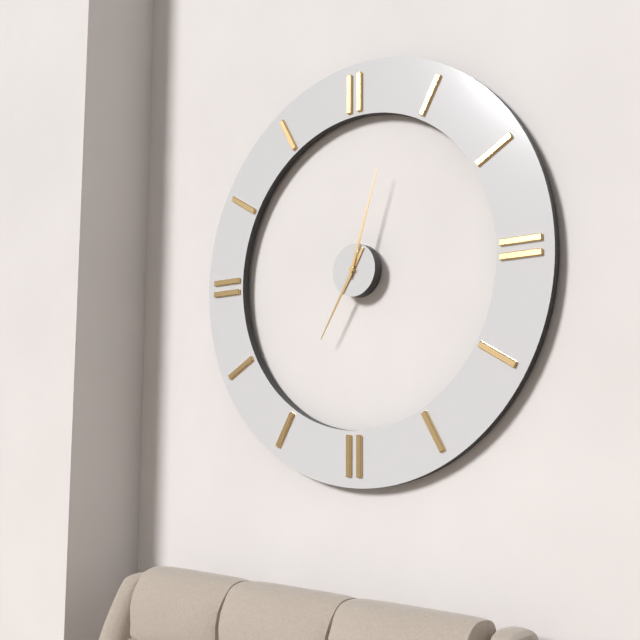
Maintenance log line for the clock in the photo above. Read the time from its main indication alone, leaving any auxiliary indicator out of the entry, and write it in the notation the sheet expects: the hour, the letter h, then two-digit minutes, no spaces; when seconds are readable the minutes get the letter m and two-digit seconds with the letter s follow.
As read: 7h03
